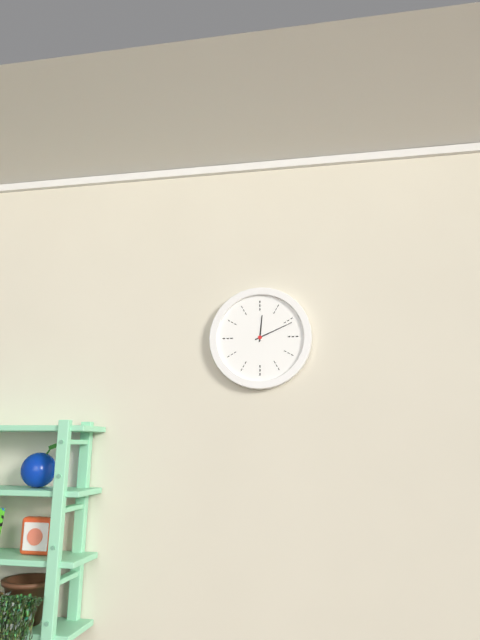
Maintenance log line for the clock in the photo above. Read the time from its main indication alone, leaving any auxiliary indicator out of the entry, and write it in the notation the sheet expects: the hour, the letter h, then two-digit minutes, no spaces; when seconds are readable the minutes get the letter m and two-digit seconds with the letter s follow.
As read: 12h11
